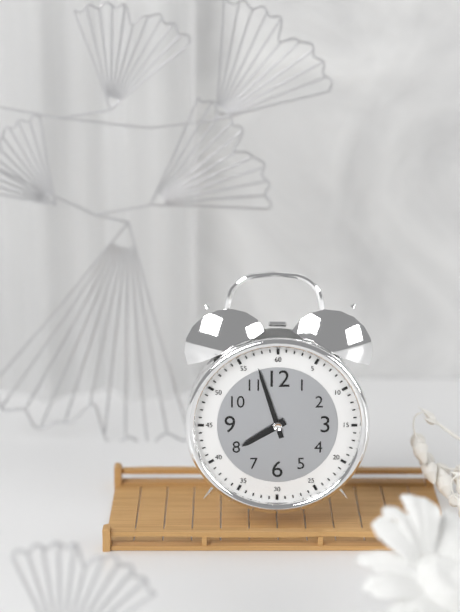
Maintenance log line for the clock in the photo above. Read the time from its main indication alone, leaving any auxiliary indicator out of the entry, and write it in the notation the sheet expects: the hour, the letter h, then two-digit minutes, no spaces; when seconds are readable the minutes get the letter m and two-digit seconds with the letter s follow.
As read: 7h57
